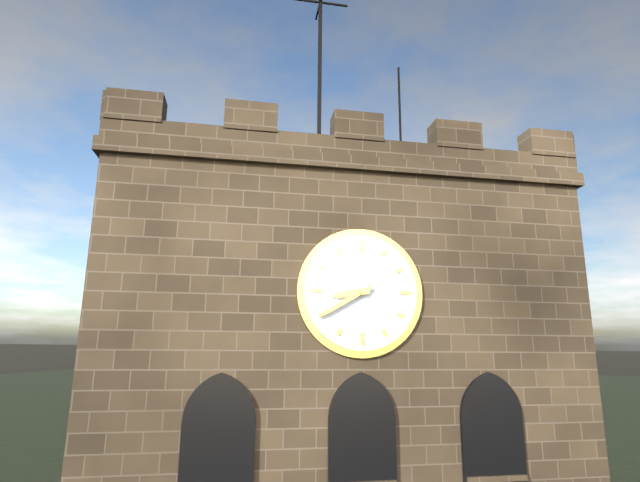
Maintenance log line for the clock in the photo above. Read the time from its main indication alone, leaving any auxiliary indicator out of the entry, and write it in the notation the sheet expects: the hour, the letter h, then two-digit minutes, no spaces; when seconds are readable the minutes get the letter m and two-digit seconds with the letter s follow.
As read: 8h40
